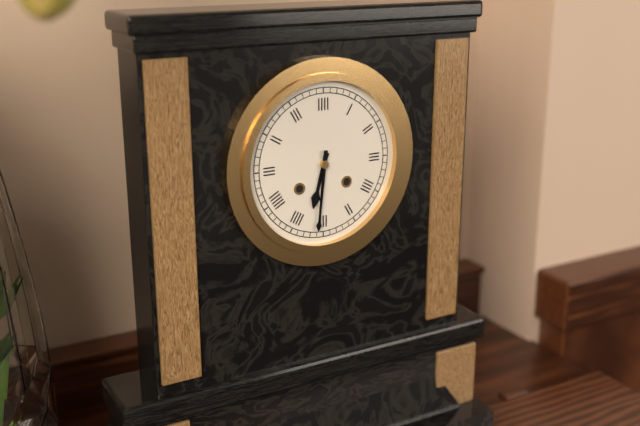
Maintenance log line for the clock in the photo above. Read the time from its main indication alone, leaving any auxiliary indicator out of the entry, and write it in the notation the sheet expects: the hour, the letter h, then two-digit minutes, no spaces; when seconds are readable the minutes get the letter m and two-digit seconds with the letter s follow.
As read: 6h31
